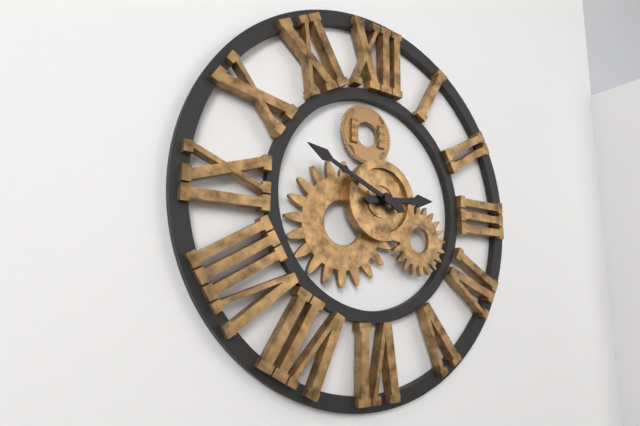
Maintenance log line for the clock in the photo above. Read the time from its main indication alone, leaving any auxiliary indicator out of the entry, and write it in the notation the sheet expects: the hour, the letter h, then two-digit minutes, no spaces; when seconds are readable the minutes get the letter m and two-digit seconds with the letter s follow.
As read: 2h49
